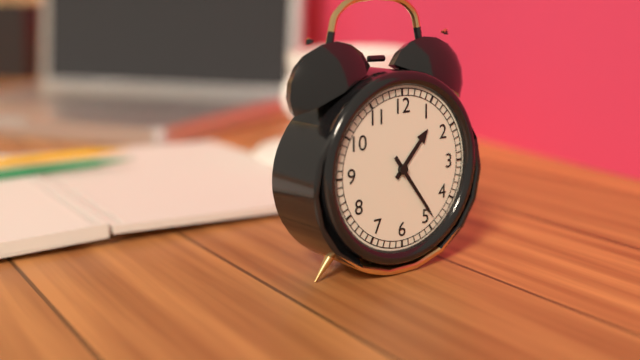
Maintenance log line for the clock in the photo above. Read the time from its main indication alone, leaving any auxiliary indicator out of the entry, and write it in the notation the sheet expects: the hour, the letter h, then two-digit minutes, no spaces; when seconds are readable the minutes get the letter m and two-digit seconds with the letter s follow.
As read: 1h24
